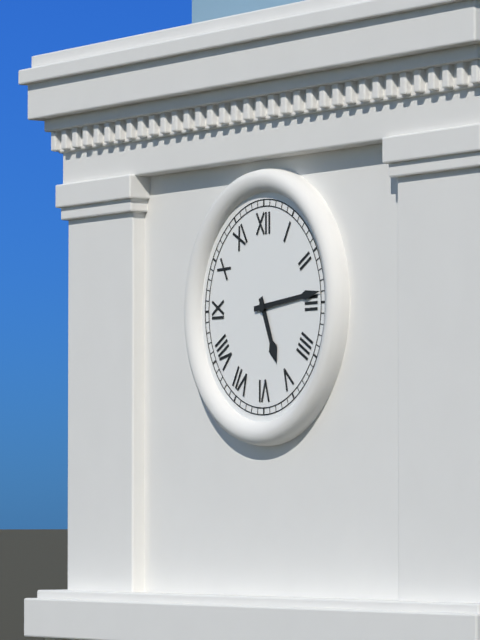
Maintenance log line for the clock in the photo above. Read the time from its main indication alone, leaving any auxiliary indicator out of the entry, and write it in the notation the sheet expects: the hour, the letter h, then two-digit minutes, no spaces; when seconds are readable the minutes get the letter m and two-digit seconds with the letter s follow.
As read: 5h14
